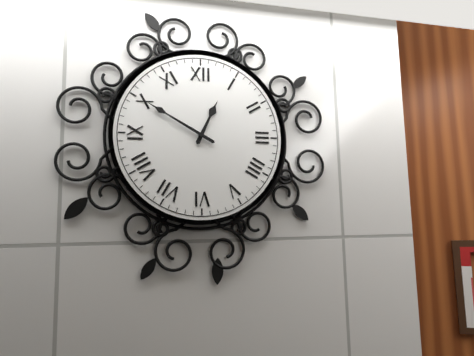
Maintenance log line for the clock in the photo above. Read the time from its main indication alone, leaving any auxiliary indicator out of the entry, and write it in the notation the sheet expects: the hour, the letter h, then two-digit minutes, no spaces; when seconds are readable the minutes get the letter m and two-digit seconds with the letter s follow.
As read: 12h50
